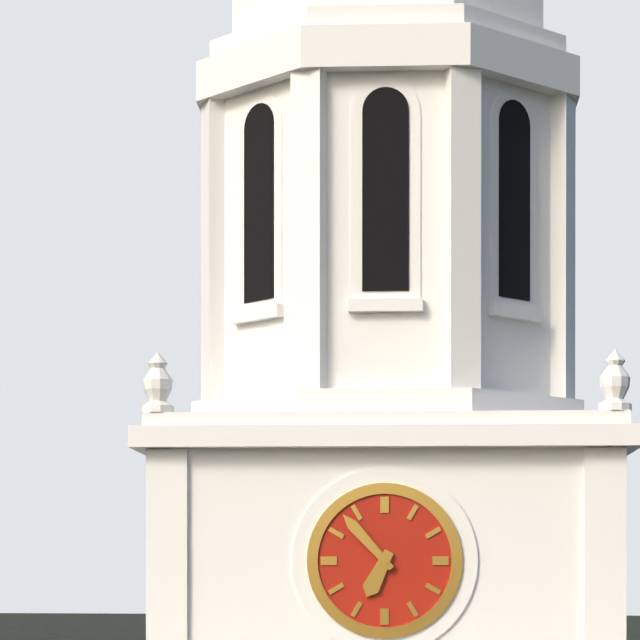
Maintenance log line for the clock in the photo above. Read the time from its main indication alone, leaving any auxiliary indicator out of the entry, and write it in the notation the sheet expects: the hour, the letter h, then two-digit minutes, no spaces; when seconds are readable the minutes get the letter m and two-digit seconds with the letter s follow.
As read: 6h53
